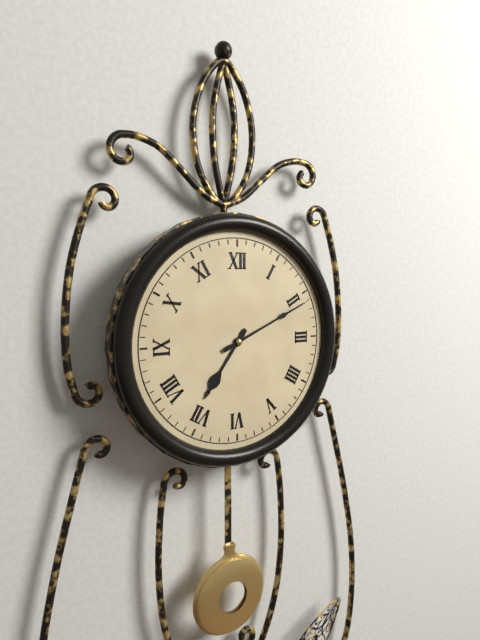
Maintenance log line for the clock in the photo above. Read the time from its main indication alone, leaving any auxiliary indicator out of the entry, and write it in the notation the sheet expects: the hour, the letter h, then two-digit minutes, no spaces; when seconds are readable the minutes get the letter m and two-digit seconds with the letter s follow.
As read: 7h11
